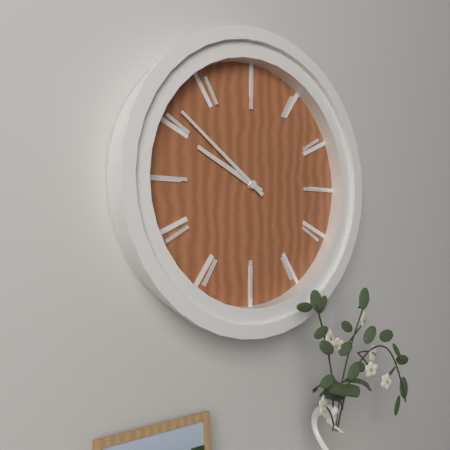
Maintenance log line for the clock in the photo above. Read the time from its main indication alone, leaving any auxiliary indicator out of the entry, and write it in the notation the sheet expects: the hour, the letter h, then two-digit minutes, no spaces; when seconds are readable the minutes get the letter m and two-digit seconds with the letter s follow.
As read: 9h51
